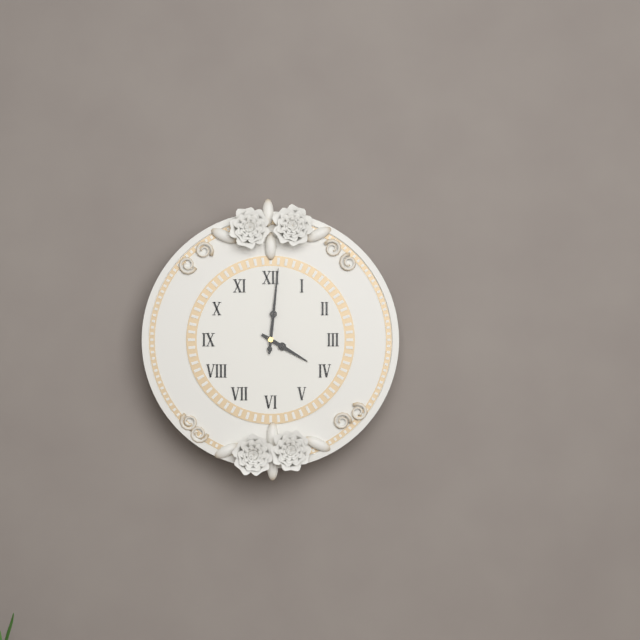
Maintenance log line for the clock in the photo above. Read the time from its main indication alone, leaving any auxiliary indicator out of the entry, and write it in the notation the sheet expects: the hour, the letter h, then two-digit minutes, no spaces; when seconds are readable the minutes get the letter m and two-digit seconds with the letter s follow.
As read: 4h01
